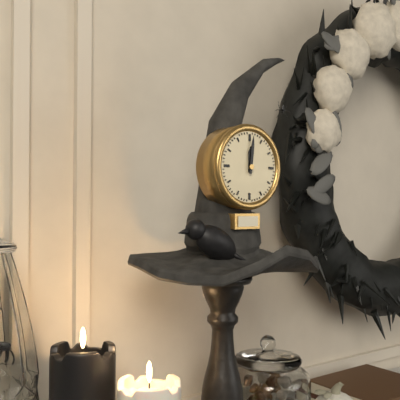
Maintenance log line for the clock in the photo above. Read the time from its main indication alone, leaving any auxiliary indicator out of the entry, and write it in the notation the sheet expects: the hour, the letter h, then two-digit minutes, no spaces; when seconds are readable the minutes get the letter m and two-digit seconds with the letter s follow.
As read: 12h01
